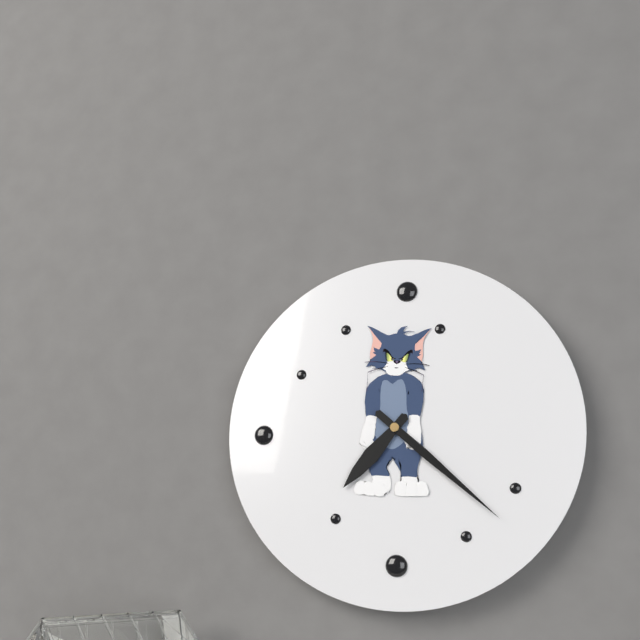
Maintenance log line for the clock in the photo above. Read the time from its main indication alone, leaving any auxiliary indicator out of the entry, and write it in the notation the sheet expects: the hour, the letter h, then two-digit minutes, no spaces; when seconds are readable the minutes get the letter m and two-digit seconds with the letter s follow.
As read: 7h22
